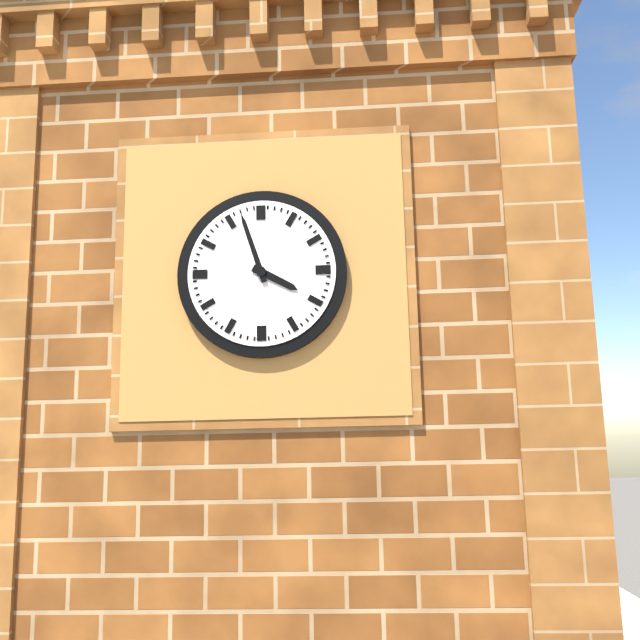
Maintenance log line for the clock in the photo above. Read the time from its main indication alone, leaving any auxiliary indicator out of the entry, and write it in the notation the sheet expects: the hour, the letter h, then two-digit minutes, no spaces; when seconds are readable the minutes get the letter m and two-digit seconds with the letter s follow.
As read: 3h57
